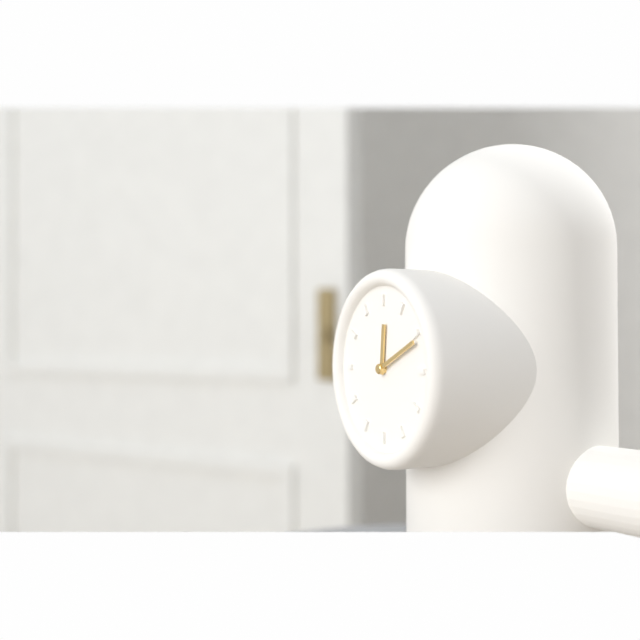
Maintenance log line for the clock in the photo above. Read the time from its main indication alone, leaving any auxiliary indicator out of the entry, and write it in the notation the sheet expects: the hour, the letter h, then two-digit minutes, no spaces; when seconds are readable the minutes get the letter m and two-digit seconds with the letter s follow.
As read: 12h11
